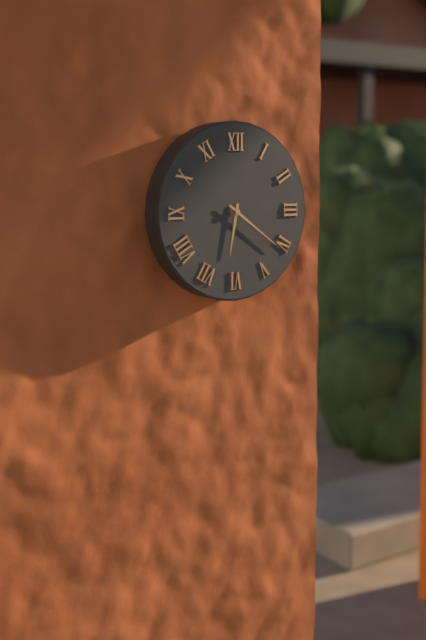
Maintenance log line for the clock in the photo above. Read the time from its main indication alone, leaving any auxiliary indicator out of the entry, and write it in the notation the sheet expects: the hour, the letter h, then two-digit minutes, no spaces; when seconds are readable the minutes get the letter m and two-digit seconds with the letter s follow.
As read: 6h21
